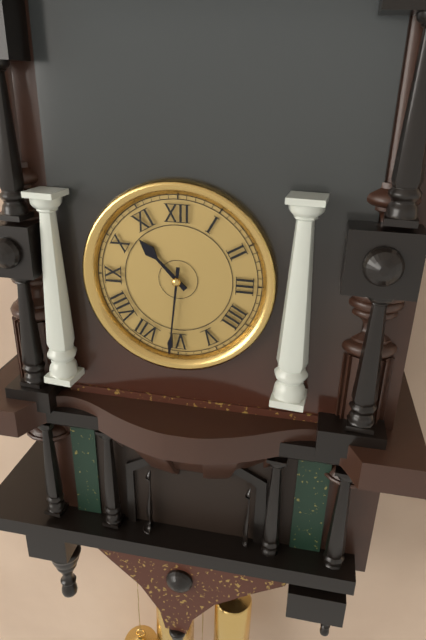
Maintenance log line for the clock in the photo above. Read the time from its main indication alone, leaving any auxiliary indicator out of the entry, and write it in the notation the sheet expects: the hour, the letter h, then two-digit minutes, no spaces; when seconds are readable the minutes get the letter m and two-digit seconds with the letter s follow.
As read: 10h31
